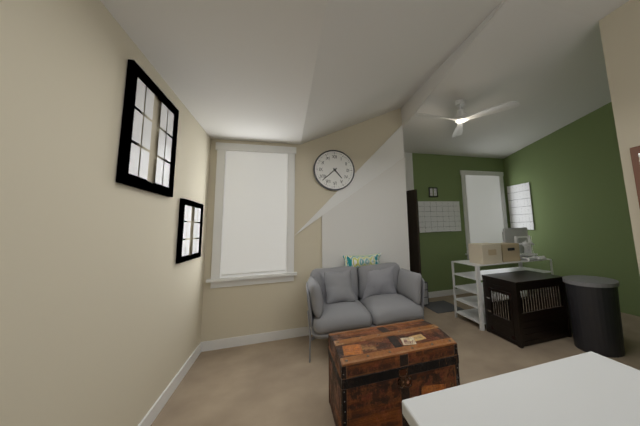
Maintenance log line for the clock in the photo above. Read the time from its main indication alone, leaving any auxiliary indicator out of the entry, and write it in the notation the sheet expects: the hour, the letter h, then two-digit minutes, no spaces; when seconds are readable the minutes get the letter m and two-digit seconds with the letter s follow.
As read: 4h38
